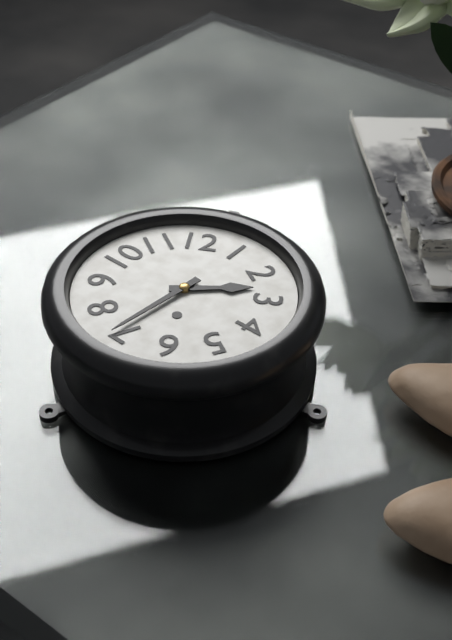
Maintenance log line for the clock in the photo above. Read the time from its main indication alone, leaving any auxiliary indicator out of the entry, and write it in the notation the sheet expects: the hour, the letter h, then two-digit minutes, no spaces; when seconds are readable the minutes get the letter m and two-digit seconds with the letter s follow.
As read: 2h36
